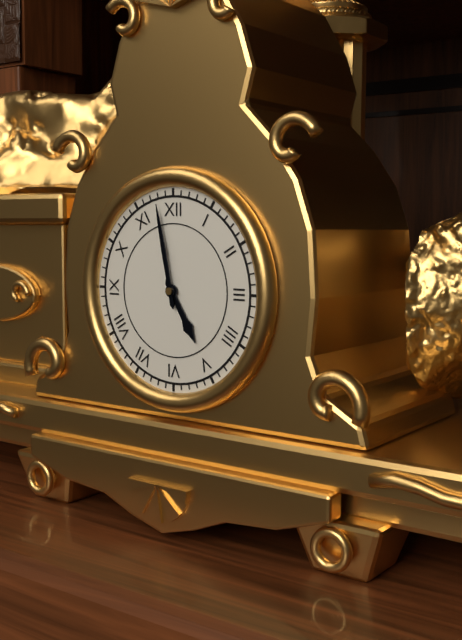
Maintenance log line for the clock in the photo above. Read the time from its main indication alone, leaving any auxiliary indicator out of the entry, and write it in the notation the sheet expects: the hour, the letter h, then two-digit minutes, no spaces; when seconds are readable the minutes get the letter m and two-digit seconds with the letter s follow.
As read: 4h58
